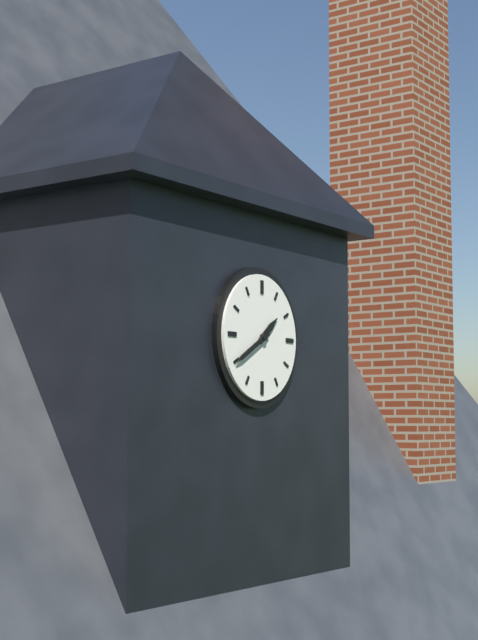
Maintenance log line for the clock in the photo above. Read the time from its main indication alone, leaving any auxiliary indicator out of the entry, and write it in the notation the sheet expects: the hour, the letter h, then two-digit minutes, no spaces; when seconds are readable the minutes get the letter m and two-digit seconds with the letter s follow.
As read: 1h40
